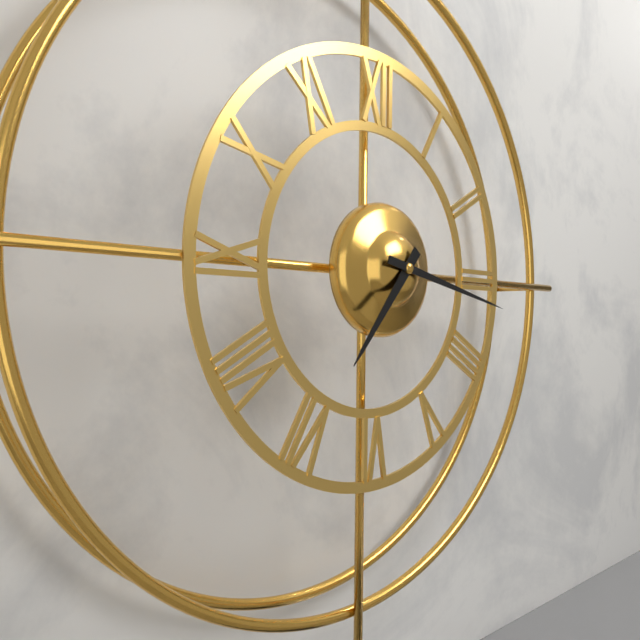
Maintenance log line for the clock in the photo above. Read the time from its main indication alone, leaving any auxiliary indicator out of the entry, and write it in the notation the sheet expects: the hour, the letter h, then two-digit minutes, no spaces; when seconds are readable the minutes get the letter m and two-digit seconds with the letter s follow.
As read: 7h17
